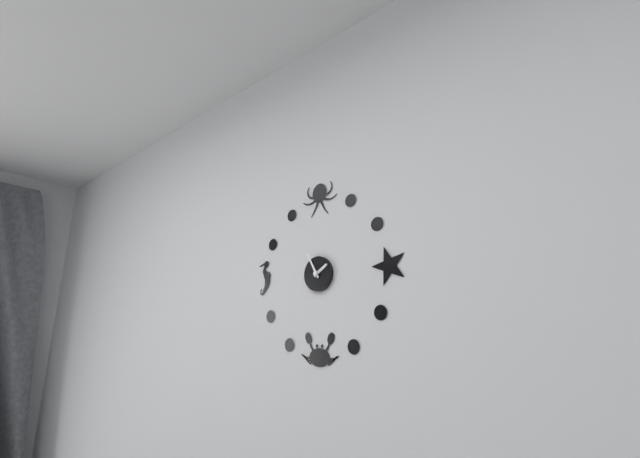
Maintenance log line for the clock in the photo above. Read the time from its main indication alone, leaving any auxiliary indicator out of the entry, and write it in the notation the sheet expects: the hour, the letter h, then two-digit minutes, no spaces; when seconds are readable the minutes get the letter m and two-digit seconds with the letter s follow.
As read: 1h55
